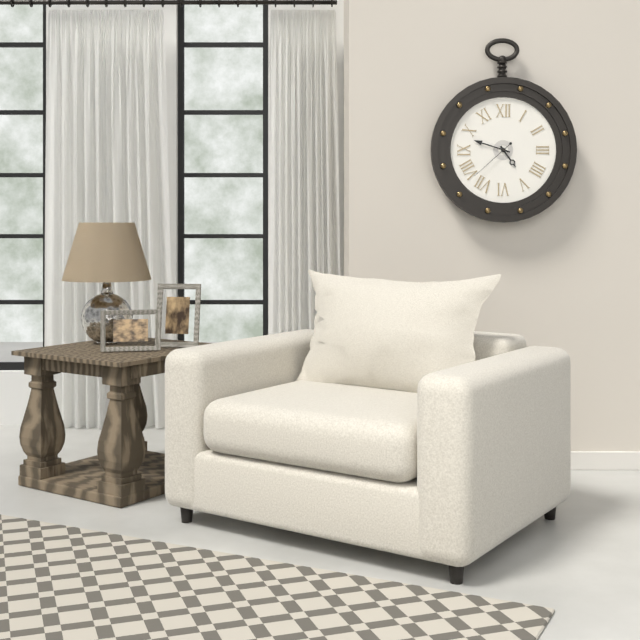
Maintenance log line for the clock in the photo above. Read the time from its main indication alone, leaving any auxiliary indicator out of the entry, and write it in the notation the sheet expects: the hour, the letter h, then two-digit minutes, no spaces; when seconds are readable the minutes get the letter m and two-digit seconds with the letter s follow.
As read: 4h48
